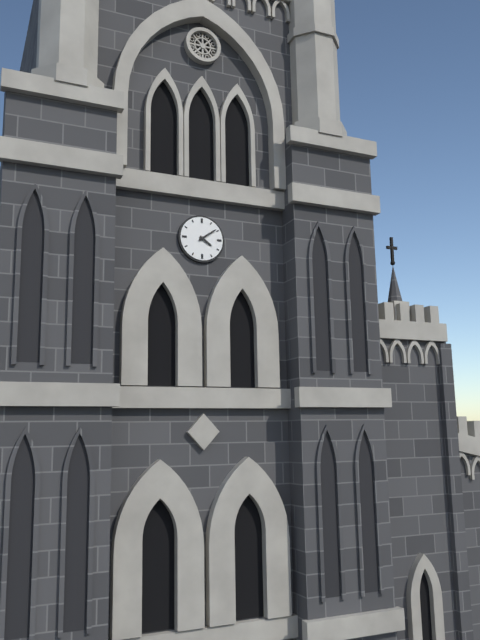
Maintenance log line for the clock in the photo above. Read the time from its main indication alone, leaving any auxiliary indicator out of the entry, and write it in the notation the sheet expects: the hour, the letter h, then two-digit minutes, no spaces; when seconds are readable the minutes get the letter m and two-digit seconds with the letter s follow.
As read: 4h09
